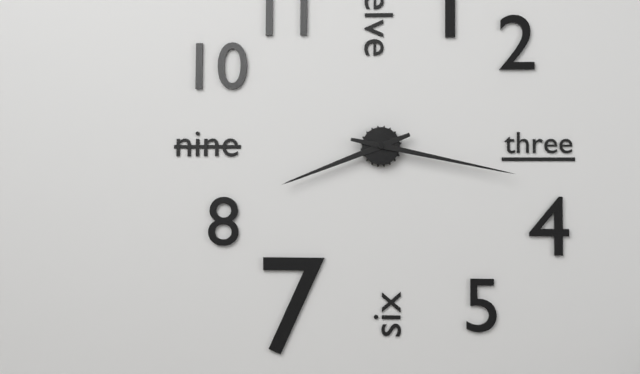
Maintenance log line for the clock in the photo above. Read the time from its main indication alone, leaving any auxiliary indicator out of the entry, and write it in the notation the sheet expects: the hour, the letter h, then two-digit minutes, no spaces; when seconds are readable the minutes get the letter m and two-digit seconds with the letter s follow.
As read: 8h17
